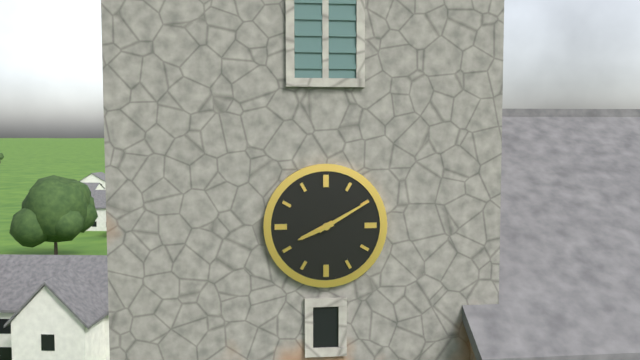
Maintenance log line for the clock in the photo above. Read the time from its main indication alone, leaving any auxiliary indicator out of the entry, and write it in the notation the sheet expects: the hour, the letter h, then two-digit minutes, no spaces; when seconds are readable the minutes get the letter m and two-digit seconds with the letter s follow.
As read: 8h10
